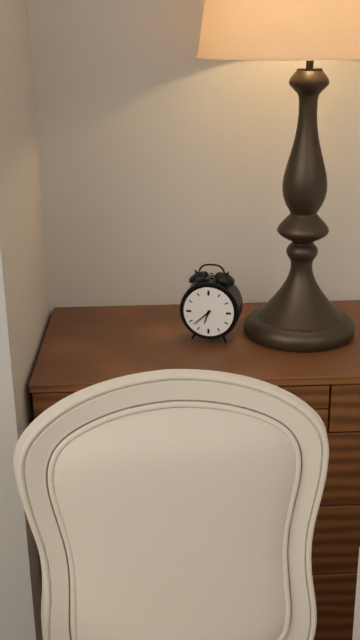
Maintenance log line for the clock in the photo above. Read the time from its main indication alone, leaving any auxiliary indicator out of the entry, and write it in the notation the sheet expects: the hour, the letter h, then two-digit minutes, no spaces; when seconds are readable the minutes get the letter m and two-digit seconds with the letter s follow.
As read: 6h38
